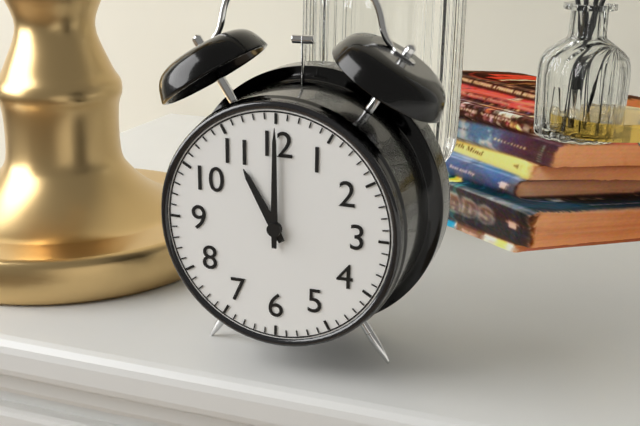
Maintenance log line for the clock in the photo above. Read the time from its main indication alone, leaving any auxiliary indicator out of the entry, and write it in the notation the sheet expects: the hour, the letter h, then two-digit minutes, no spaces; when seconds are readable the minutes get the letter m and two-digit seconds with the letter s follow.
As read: 11h00
